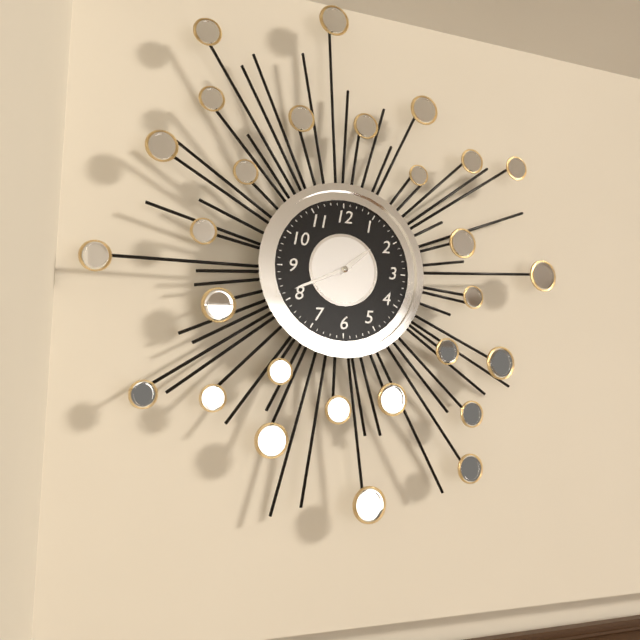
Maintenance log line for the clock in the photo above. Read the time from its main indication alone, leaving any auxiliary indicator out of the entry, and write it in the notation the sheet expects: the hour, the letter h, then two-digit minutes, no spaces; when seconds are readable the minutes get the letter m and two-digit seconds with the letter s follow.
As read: 1h41
